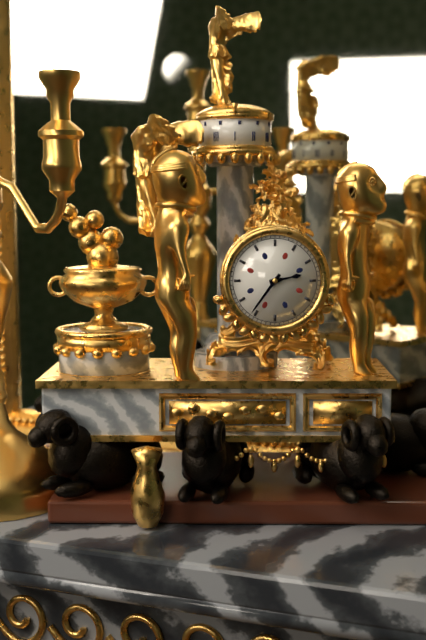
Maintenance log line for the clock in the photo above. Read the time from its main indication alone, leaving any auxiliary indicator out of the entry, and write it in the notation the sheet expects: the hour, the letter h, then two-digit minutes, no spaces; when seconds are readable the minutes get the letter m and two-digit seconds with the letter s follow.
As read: 2h36
